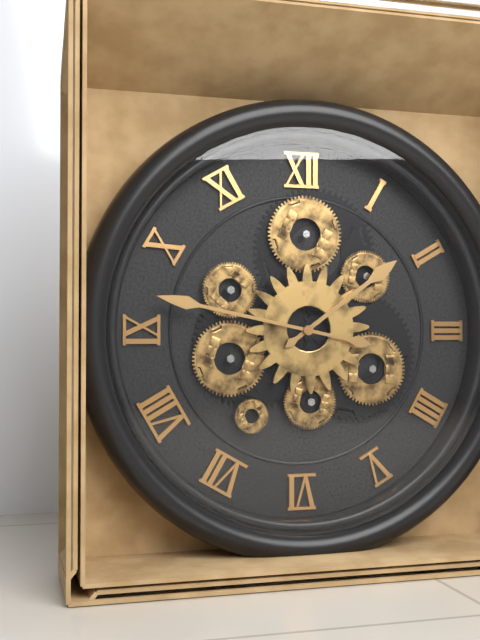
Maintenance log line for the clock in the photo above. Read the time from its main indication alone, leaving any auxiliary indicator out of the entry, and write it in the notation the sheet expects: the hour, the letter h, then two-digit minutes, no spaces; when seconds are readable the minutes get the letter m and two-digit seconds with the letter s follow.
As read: 1h47
